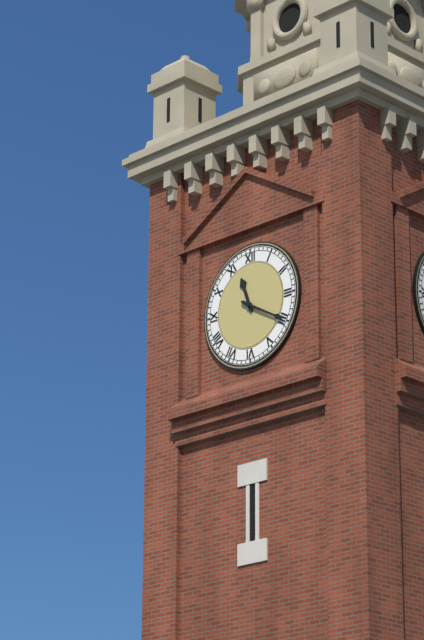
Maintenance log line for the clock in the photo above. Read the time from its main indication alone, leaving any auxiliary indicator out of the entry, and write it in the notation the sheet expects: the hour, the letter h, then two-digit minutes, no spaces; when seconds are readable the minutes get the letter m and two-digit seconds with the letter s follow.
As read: 11h20
